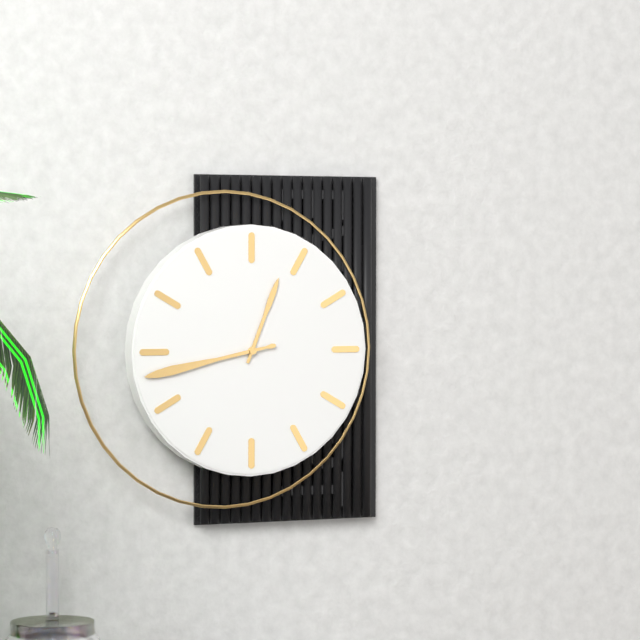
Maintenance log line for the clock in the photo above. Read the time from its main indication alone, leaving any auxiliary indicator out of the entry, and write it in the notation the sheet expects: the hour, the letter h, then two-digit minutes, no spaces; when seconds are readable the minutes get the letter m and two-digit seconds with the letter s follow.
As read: 12h43
